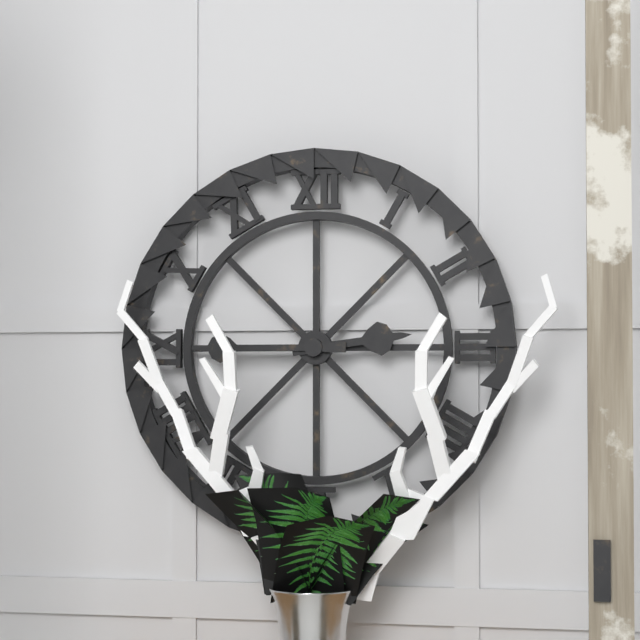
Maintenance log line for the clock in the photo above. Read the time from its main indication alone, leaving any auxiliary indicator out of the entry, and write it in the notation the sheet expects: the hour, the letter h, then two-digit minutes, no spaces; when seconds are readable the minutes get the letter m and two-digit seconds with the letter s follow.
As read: 2h45
